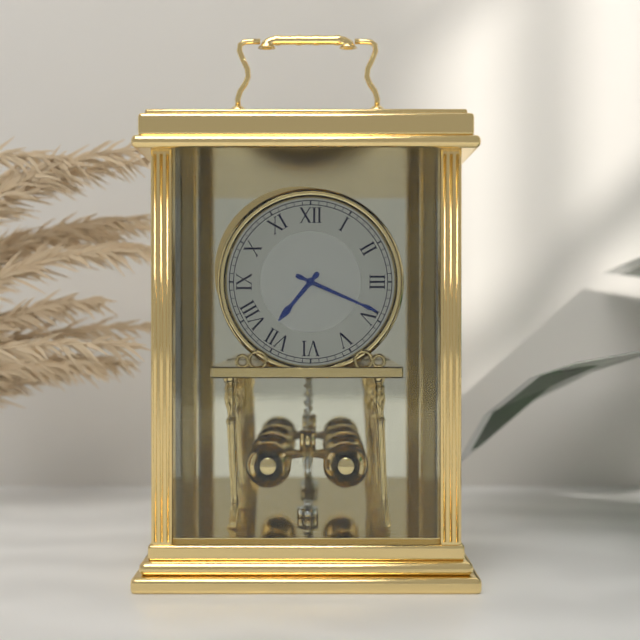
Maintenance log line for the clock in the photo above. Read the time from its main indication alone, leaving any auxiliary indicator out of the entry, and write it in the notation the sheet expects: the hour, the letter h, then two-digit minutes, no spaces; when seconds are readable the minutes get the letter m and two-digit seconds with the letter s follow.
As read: 7h19
